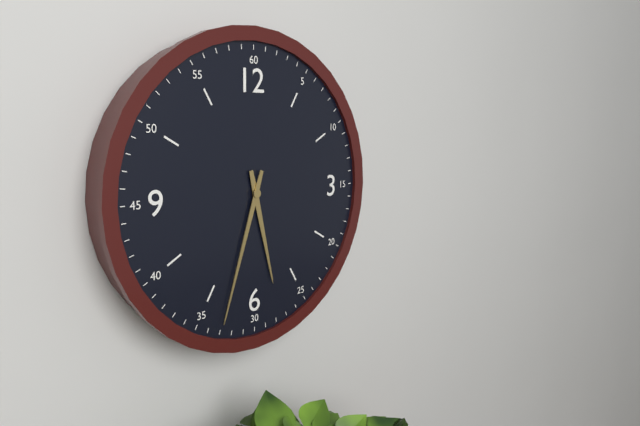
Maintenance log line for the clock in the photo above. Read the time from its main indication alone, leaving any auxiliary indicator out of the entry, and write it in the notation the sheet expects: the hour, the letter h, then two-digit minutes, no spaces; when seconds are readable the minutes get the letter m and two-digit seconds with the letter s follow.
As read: 5h33
